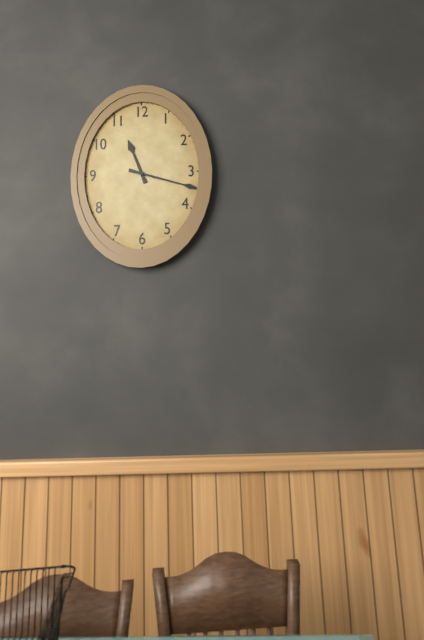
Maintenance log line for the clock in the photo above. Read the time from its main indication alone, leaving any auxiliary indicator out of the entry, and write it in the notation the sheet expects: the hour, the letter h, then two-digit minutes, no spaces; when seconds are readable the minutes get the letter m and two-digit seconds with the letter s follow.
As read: 11h18
